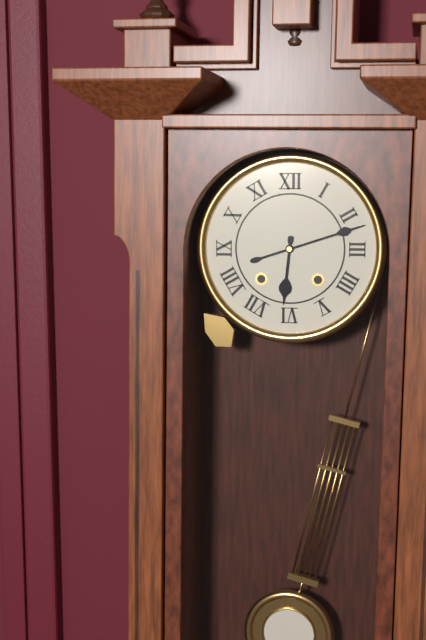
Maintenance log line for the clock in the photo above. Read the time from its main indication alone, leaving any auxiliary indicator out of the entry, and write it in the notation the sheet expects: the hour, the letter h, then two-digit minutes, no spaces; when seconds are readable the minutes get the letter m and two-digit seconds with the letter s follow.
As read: 6h12
